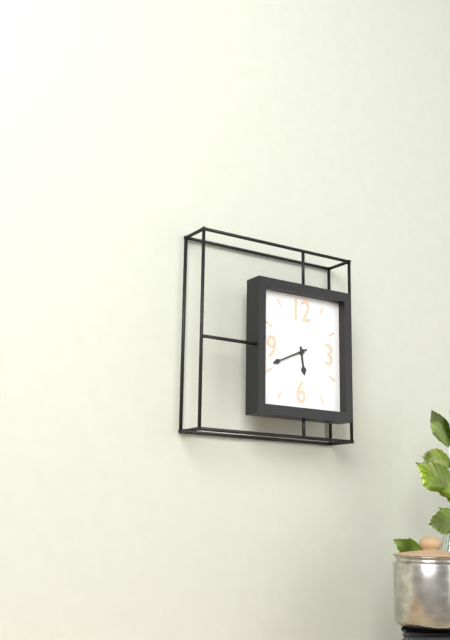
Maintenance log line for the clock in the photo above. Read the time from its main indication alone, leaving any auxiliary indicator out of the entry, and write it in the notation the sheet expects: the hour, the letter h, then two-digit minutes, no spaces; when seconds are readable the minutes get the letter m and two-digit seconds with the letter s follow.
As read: 5h41
